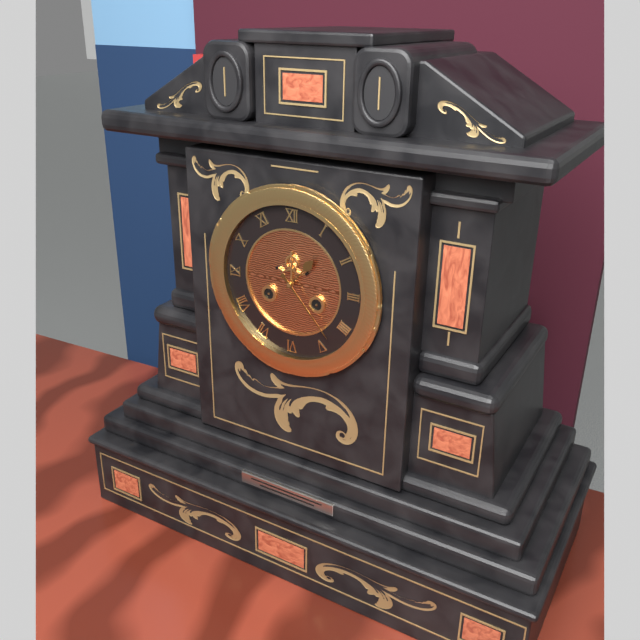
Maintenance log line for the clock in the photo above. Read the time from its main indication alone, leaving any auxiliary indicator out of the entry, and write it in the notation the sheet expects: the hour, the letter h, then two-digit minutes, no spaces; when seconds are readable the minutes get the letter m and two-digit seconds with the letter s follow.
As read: 1h23
